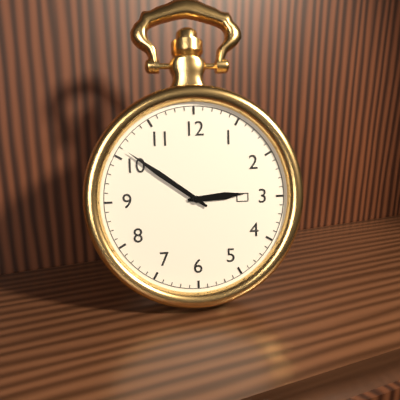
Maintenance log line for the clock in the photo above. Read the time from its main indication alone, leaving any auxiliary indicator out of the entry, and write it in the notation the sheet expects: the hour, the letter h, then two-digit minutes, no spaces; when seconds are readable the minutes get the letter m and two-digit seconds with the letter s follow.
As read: 2h51
